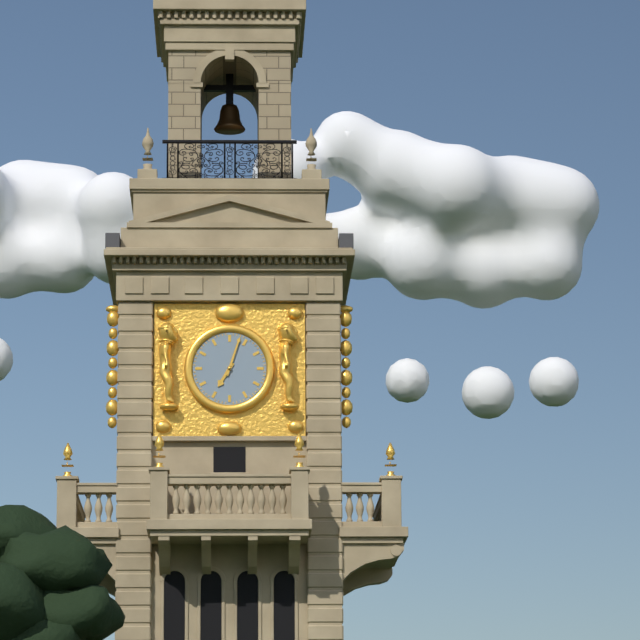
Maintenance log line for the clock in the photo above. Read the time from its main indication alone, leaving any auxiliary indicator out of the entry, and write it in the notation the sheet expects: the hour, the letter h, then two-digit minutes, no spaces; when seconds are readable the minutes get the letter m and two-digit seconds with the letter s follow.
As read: 7h03
